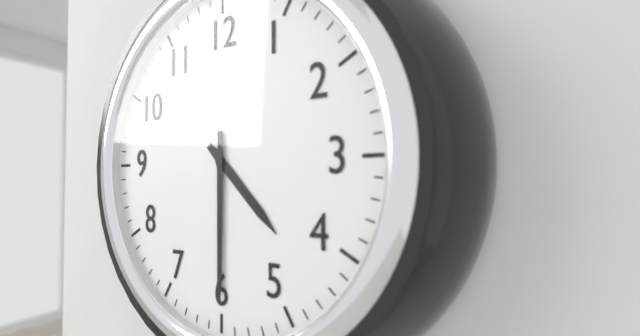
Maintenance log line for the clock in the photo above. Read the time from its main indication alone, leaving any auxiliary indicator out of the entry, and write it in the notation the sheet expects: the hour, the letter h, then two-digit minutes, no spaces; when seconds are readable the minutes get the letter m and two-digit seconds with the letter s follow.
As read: 4h30
